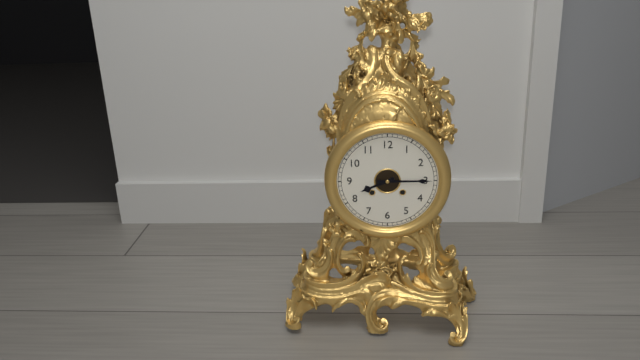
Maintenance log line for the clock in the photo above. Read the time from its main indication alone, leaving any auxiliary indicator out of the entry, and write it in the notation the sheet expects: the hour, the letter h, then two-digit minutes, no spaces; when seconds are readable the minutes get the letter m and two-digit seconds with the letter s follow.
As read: 8h15
